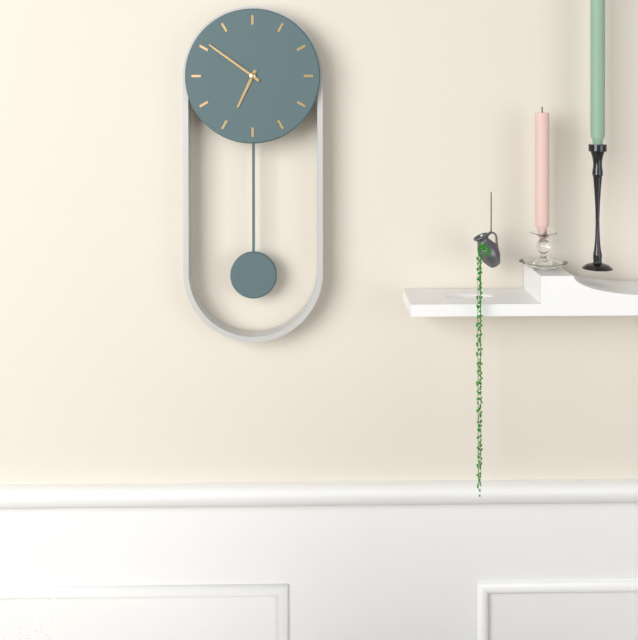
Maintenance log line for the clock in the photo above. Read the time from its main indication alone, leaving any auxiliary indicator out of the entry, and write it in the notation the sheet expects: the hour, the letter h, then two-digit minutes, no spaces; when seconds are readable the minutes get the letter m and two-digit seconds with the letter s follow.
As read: 6h51
